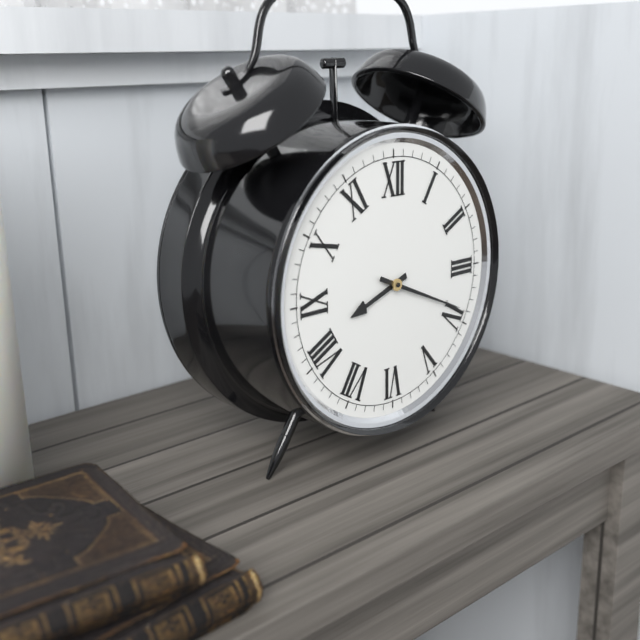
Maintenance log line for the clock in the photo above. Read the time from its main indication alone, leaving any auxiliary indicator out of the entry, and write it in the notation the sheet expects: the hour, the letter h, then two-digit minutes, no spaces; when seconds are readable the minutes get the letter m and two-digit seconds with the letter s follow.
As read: 8h19
